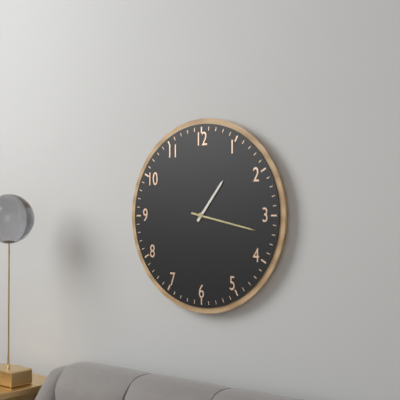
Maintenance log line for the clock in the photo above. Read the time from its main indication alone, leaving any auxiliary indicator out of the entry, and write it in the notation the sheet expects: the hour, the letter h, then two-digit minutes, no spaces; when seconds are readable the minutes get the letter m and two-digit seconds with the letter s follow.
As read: 1h17
